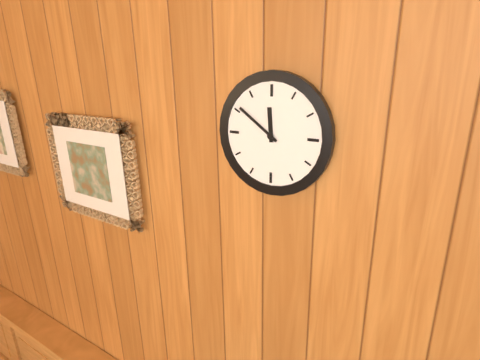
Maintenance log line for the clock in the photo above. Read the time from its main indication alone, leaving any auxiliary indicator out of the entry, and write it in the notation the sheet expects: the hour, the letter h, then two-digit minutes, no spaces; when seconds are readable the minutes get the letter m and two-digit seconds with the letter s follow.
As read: 11h51
